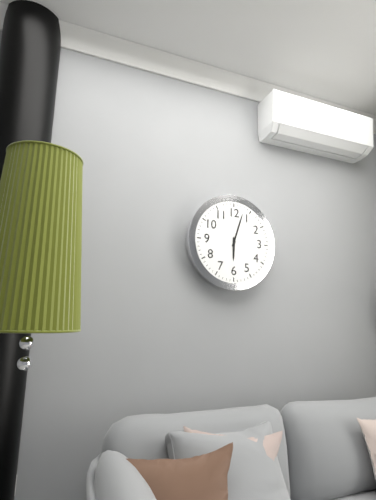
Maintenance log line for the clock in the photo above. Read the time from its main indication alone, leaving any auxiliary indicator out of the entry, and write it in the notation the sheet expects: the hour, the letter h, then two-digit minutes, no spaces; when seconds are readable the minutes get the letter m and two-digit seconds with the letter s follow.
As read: 6h03
